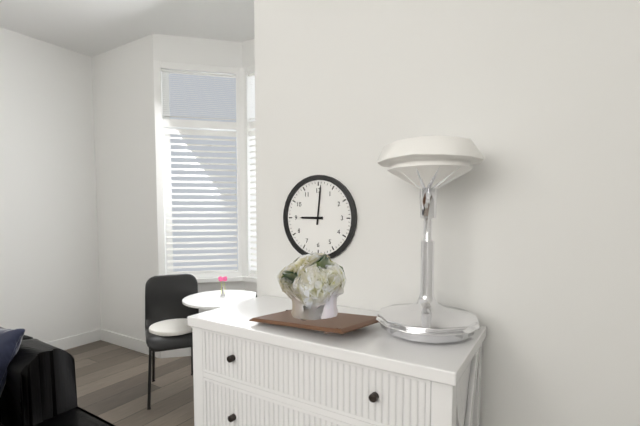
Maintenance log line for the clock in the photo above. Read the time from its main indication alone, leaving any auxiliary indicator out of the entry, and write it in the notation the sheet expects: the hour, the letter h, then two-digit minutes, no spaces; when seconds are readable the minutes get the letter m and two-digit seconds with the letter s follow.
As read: 9h01
